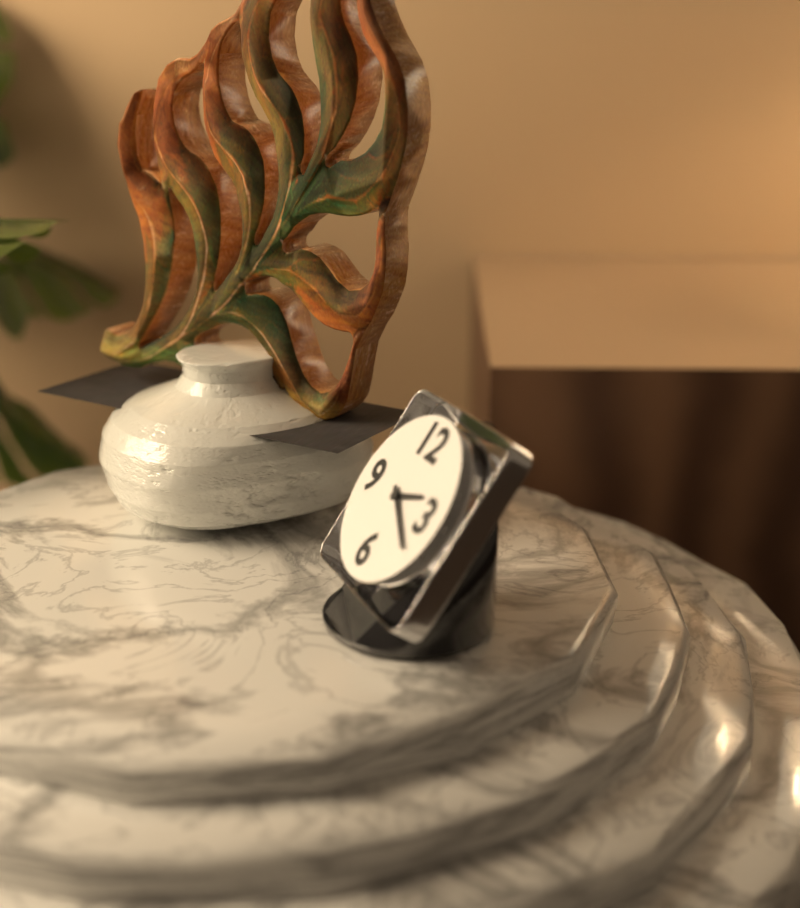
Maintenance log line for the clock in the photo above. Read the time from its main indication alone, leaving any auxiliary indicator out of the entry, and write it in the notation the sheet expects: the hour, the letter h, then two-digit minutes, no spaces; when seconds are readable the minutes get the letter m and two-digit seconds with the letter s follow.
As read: 2h20
